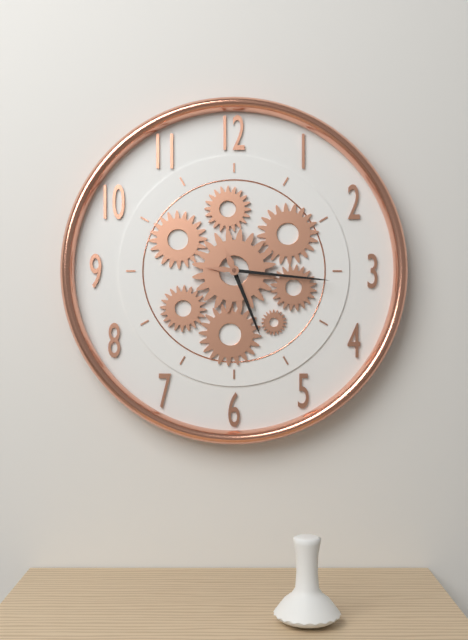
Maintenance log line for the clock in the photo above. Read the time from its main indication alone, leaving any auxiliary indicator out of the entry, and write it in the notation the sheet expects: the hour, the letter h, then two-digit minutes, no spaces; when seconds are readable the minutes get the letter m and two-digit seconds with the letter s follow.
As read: 5h16
